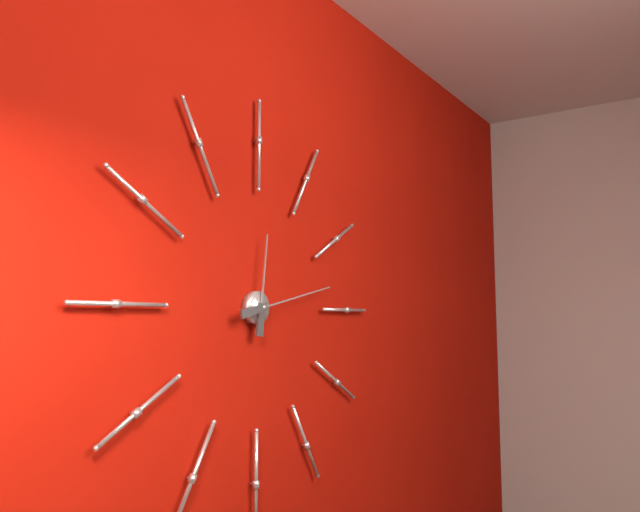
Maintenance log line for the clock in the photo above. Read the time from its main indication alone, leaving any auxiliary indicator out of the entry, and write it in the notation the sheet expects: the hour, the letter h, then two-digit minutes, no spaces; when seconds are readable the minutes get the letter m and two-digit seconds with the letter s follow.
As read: 12h13
